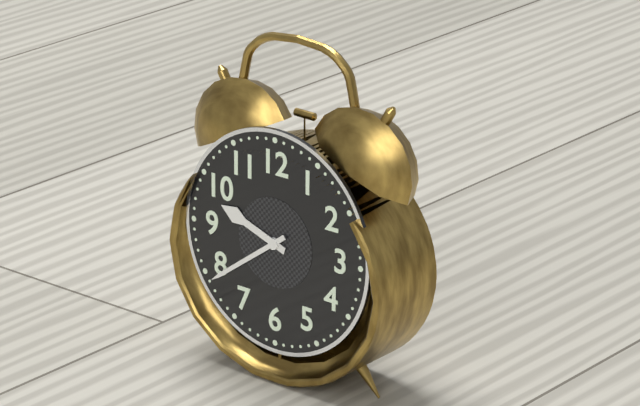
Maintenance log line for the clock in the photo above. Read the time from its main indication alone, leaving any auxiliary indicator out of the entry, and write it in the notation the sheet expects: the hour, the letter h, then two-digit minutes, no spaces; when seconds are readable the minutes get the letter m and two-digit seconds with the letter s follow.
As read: 9h39
